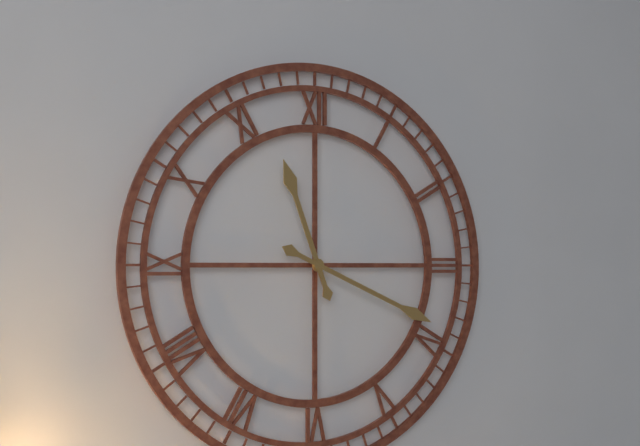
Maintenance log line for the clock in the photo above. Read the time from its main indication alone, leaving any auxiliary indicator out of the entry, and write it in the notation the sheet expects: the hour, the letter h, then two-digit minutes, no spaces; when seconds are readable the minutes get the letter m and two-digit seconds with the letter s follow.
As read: 11h19
